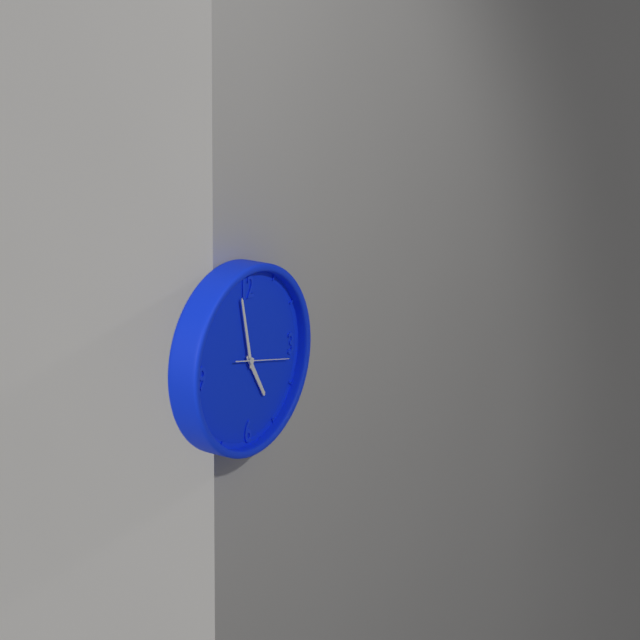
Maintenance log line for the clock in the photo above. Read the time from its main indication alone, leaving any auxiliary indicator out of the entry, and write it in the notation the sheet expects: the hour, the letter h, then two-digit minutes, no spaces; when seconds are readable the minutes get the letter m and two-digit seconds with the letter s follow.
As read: 4h58
